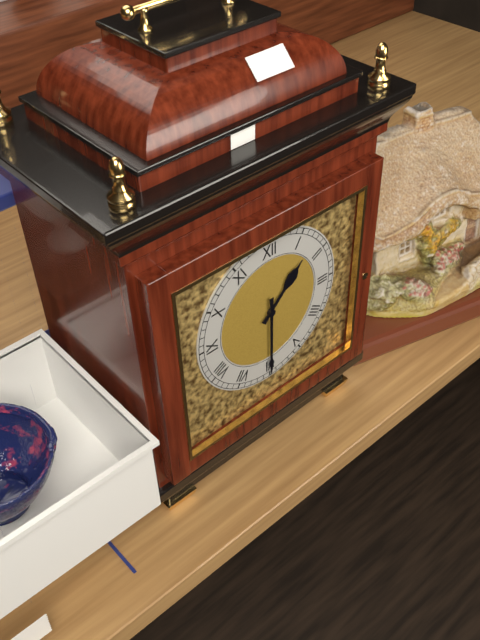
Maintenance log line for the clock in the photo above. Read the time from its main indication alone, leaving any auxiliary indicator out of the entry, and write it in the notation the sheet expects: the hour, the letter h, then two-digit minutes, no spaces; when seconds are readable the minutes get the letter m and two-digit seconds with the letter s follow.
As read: 1h30
